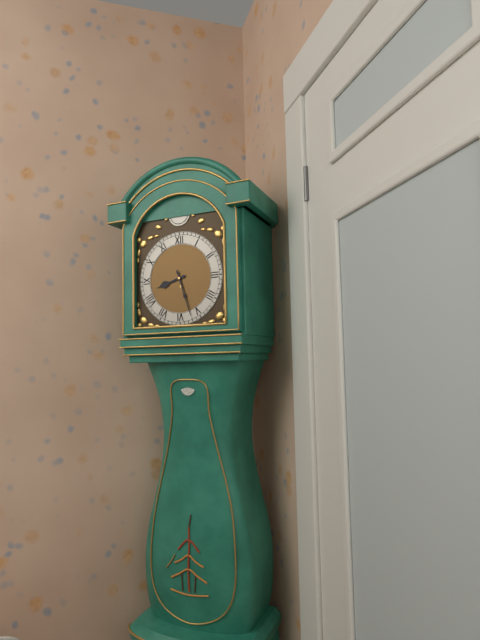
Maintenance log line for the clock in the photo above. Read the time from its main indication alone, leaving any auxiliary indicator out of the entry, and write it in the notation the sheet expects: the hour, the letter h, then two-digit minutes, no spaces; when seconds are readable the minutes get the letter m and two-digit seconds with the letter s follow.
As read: 8h27
